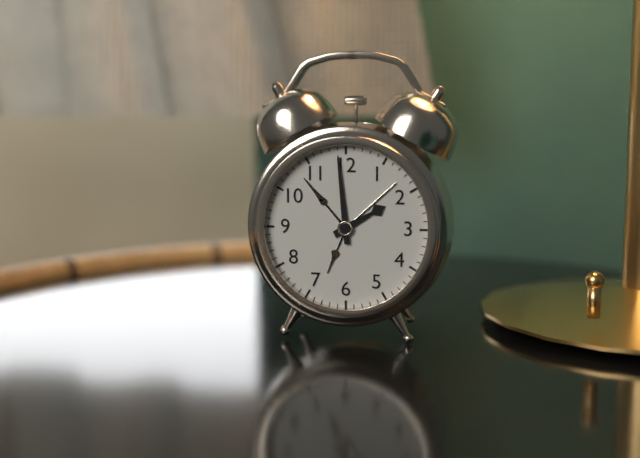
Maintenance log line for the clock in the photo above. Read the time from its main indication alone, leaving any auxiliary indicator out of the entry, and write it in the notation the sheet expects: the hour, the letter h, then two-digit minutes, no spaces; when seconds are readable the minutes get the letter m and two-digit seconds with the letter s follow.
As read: 1h59
